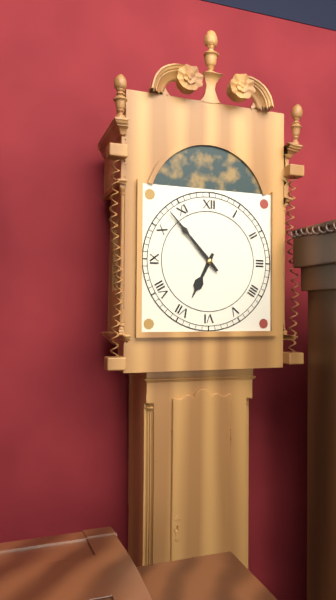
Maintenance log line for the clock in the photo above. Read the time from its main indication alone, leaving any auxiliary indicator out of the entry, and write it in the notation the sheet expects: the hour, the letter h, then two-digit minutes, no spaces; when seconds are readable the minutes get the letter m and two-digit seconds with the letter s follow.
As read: 6h53
